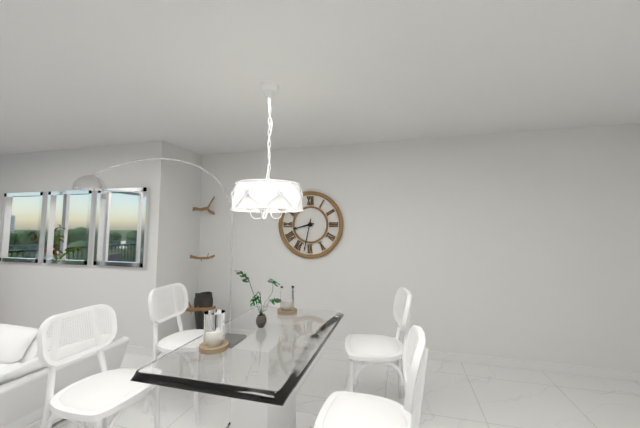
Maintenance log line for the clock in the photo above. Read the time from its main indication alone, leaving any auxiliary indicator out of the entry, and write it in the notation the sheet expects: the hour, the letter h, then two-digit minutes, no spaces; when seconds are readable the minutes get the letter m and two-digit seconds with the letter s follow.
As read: 8h32
